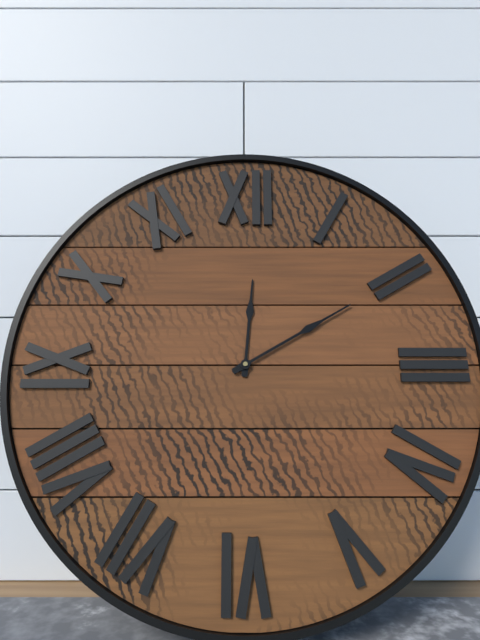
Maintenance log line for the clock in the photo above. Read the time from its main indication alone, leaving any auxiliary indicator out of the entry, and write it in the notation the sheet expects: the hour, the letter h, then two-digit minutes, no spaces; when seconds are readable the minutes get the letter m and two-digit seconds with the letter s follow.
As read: 12h10
